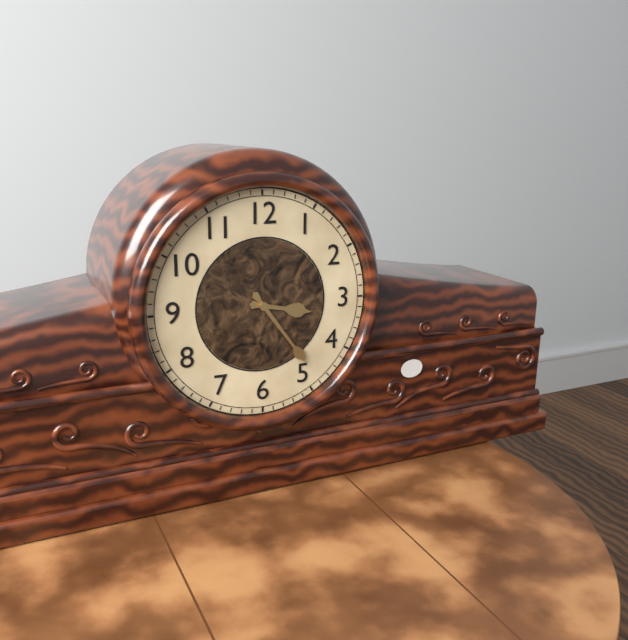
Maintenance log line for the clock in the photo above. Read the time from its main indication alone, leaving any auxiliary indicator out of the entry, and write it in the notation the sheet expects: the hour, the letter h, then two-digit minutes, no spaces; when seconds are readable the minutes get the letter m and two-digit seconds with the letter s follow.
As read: 3h24
